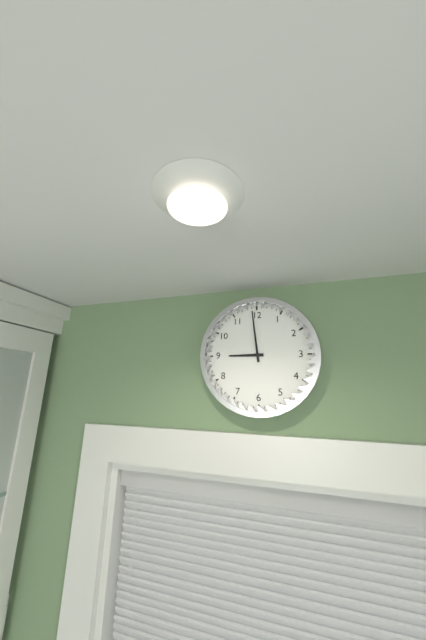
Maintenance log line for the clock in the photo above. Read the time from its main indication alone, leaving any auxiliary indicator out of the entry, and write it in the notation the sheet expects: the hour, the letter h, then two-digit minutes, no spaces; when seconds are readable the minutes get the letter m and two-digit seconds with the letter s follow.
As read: 8h59
